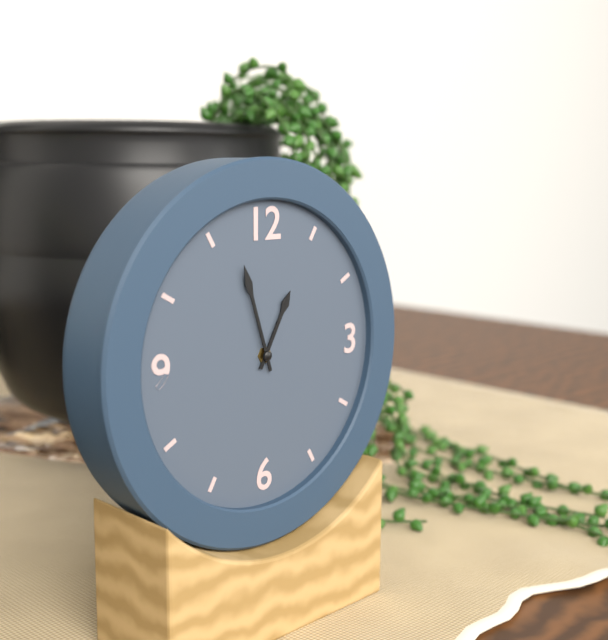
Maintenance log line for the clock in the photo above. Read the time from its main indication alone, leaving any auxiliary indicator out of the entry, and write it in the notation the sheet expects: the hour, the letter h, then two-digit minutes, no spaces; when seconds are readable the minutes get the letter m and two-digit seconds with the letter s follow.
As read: 12h57
